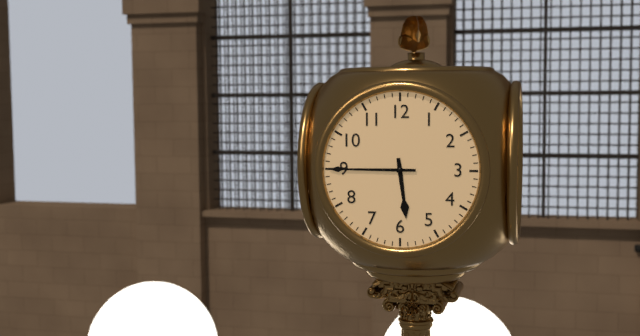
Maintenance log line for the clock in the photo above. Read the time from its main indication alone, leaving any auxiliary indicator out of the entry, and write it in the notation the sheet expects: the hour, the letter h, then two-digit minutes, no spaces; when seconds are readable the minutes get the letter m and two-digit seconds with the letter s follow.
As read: 5h45
